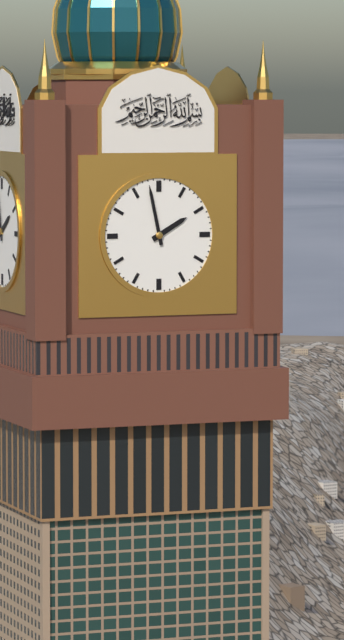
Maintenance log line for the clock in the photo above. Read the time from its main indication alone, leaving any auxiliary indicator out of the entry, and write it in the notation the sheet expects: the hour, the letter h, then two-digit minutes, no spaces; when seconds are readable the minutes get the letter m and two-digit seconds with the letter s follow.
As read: 1h58
